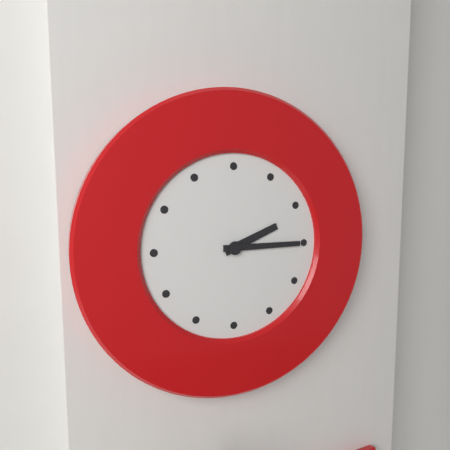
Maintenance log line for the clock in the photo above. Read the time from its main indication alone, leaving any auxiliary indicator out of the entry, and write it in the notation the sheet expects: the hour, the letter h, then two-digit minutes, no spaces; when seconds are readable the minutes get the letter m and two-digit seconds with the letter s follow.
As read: 2h15
